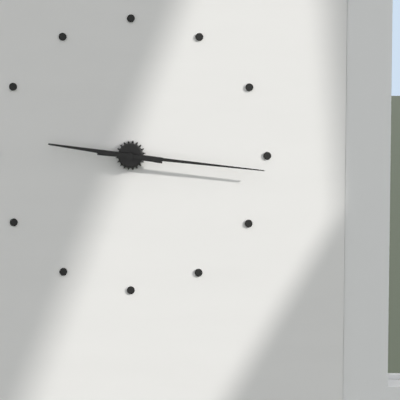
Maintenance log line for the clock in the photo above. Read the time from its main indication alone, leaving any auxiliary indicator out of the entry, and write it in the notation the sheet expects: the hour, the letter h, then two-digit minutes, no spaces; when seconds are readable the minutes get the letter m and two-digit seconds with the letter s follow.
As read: 9h16
